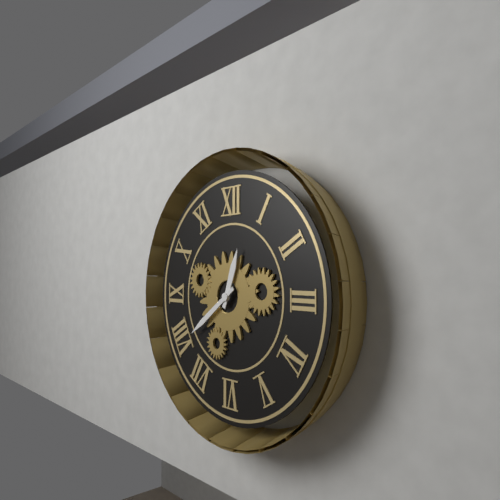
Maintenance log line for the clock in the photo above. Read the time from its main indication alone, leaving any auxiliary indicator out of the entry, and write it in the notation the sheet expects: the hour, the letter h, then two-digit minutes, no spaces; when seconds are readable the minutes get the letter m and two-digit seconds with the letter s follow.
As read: 12h39
